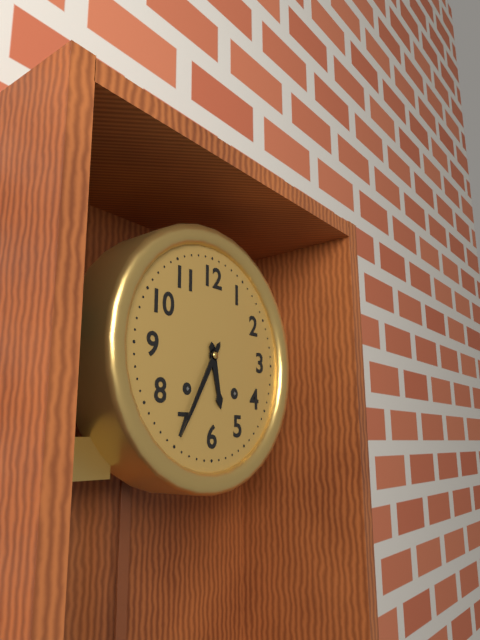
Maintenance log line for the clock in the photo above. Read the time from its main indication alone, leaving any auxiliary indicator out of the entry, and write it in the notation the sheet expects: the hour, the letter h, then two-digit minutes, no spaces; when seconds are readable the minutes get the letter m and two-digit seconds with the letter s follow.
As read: 5h35
